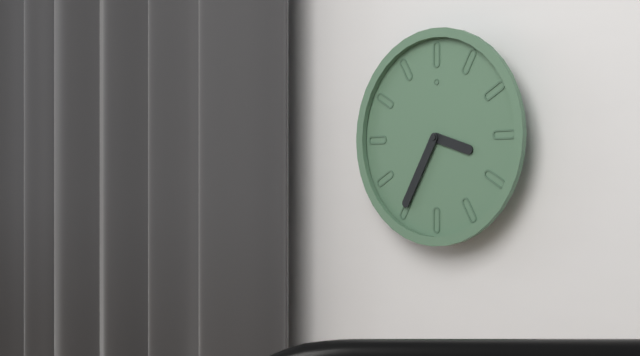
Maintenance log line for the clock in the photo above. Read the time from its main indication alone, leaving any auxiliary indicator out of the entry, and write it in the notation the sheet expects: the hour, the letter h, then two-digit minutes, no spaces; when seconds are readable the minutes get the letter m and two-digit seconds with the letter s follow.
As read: 3h35
